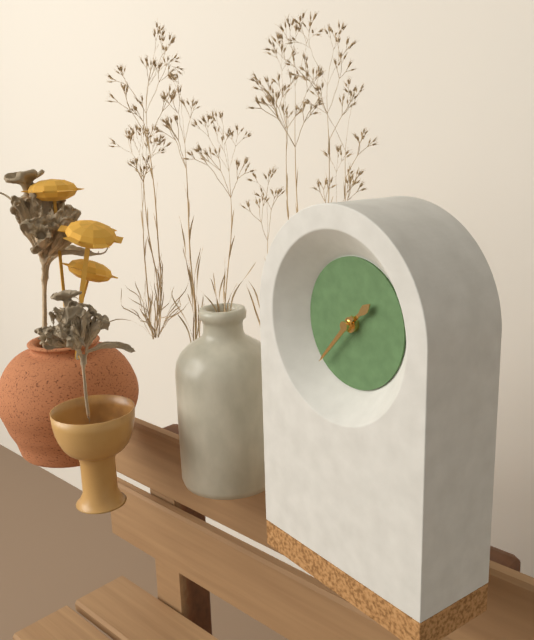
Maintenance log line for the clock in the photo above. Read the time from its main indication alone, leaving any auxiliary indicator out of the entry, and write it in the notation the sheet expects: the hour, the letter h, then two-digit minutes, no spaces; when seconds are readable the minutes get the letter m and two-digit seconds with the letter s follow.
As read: 1h37
